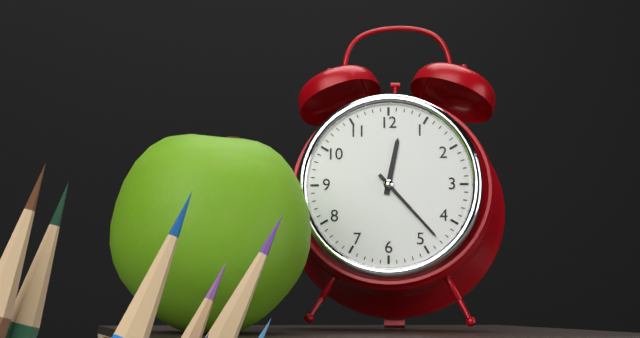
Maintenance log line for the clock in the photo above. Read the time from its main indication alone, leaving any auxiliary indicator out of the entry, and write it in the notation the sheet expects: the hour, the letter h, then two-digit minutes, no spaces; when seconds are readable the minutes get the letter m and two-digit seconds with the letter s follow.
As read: 12h23
